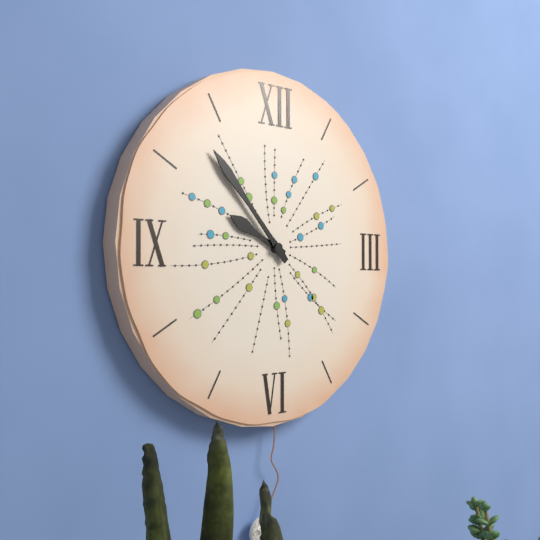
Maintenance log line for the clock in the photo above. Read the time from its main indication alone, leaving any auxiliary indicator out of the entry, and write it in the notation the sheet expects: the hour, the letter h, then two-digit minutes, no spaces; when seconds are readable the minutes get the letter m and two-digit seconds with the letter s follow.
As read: 9h53
